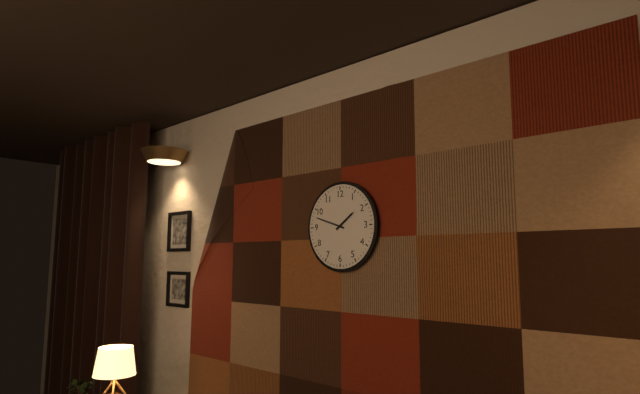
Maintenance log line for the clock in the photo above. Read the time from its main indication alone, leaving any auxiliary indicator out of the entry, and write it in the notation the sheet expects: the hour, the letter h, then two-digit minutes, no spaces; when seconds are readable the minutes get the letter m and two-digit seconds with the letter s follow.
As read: 1h48
